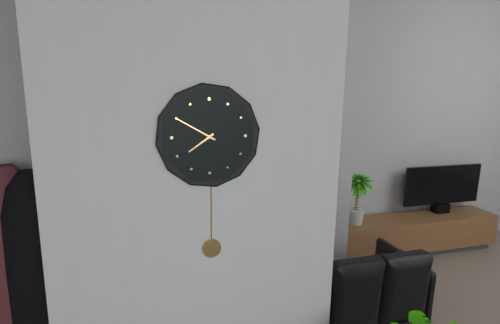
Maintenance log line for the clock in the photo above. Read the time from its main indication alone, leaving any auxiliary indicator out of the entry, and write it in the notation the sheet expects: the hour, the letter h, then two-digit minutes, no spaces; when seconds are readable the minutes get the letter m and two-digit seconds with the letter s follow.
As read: 7h50
